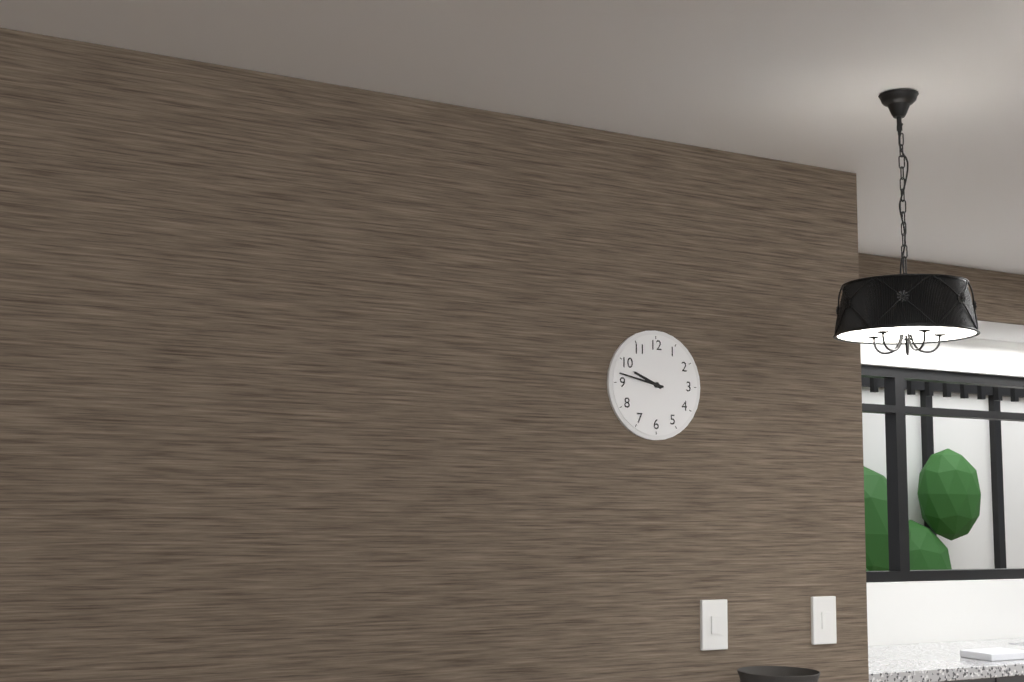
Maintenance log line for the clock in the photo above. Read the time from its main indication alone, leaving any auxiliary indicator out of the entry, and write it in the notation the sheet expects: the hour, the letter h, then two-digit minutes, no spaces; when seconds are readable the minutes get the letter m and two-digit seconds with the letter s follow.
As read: 9h47
